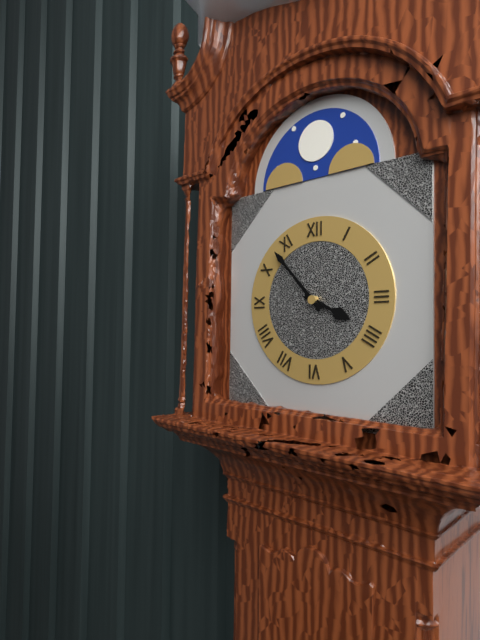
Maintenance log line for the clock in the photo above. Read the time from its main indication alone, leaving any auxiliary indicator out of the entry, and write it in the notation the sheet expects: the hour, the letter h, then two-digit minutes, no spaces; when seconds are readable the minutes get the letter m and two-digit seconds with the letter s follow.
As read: 3h53
